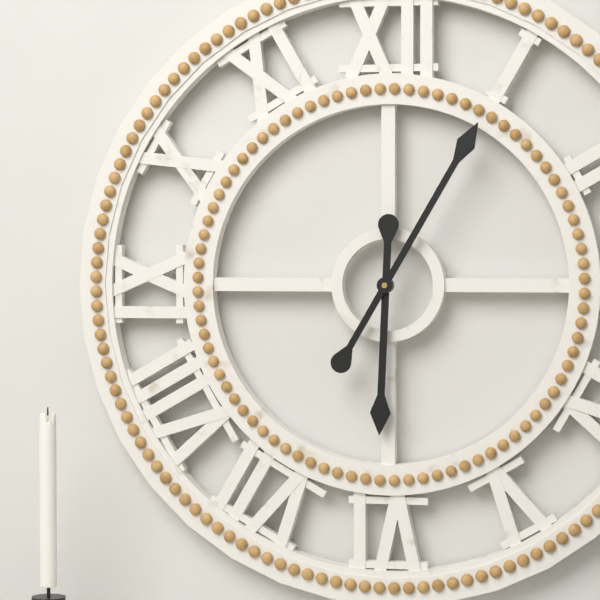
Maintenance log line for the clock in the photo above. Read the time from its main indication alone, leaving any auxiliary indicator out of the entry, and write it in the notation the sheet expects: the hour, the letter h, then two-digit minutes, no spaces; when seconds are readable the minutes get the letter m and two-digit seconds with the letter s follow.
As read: 6h05
